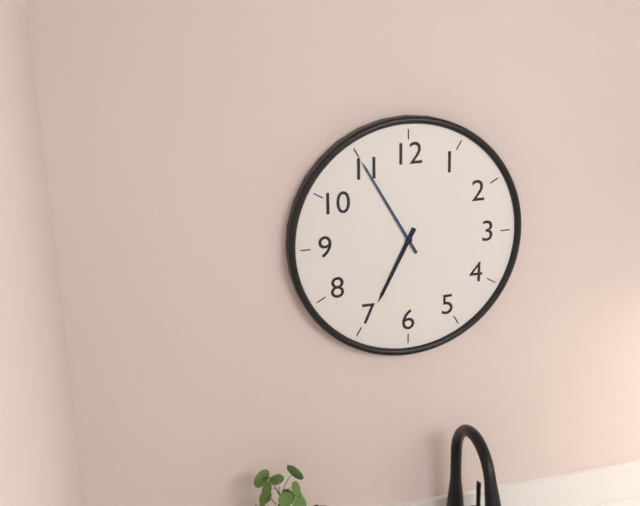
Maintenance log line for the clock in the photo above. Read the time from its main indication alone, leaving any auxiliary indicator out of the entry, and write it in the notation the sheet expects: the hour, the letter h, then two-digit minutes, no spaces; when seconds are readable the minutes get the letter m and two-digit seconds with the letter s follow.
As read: 6h55
